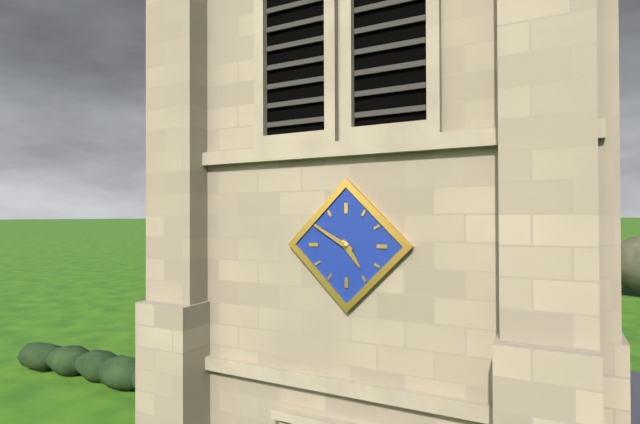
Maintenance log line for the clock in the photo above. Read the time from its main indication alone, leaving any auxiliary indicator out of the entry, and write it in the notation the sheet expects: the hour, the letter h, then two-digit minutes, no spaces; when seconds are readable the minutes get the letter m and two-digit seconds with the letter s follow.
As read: 4h50
